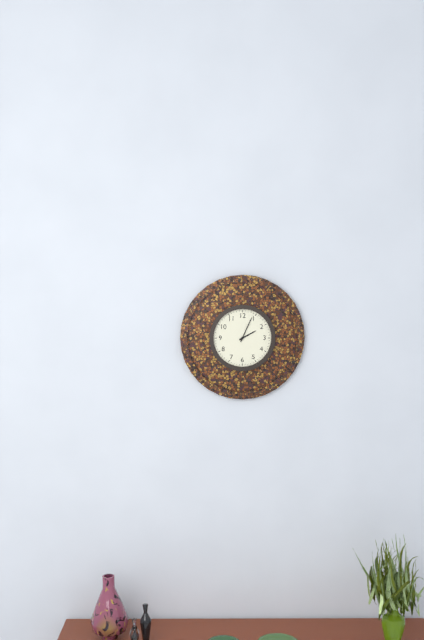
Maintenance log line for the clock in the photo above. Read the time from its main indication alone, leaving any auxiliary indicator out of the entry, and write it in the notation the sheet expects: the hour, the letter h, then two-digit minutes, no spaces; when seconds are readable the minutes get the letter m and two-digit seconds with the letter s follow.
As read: 2h04
